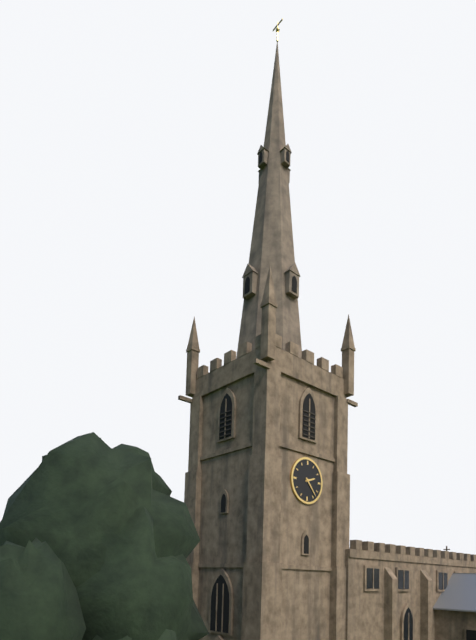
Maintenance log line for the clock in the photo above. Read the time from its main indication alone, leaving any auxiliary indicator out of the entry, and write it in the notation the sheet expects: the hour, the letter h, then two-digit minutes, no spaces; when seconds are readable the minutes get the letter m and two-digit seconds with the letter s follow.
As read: 2h23
